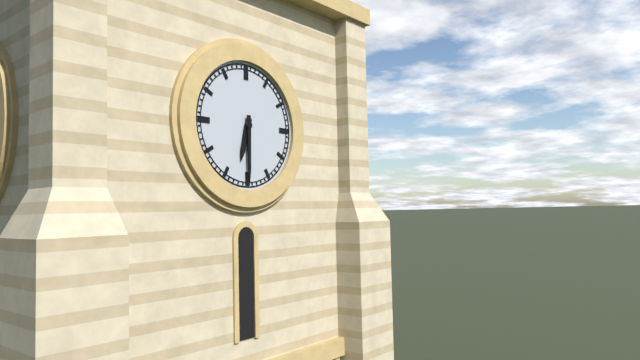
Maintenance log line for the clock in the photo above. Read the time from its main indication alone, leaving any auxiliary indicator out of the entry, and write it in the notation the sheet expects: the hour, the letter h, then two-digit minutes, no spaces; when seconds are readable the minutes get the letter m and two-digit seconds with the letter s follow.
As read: 6h30
